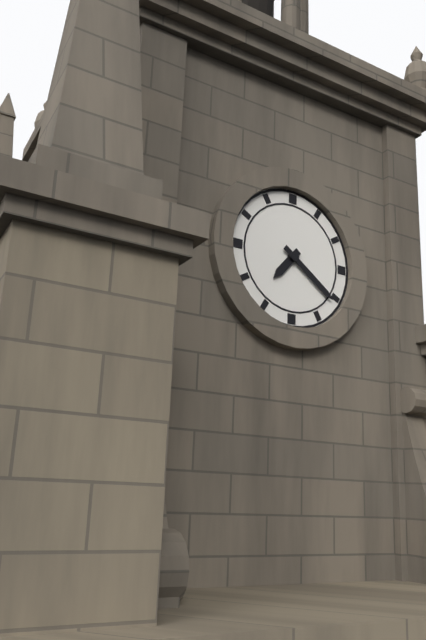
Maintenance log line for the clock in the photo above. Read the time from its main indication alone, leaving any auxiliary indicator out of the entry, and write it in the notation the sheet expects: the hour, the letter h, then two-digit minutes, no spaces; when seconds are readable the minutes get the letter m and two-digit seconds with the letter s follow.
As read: 7h21
